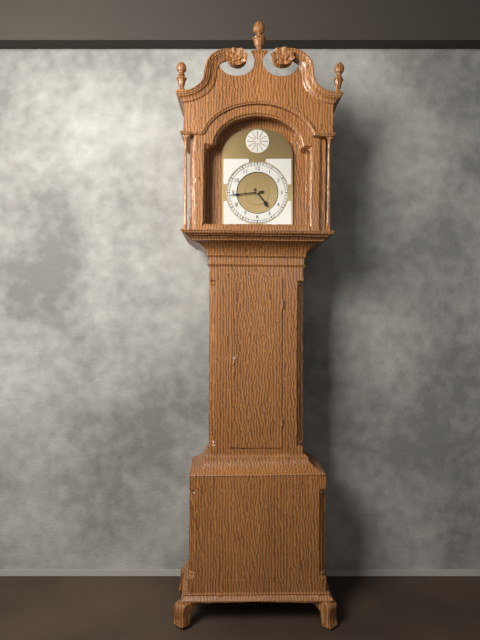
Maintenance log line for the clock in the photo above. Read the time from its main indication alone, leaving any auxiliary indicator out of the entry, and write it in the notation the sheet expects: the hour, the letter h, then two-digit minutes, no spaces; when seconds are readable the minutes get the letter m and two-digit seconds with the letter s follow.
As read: 4h44
